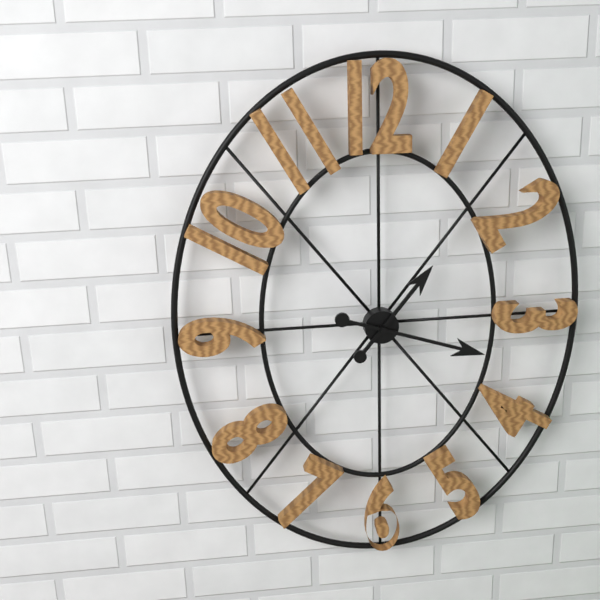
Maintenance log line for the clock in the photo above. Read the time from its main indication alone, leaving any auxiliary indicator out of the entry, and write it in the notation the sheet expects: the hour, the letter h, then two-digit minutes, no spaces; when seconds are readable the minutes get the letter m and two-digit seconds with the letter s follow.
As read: 1h18
